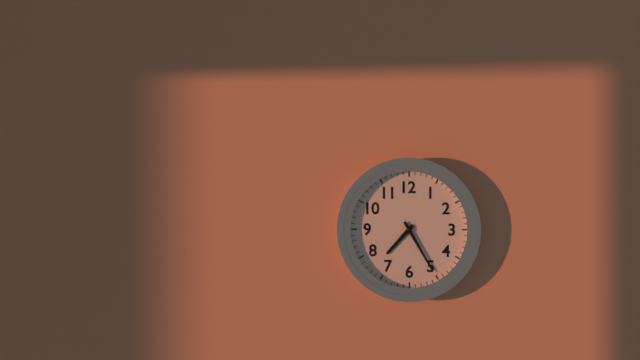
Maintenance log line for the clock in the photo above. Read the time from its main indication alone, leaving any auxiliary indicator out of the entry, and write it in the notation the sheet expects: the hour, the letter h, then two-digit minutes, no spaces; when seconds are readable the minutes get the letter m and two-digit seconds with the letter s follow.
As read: 7h25
